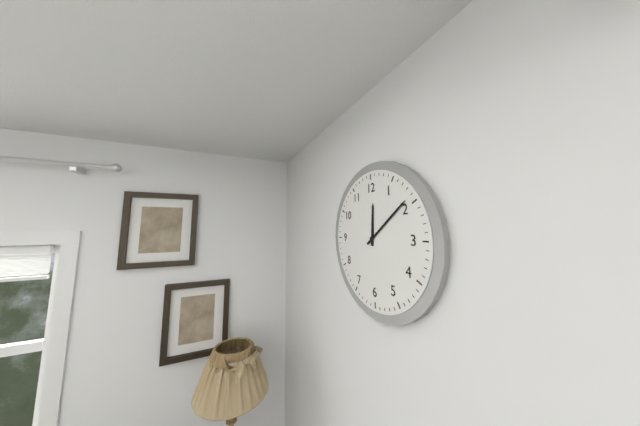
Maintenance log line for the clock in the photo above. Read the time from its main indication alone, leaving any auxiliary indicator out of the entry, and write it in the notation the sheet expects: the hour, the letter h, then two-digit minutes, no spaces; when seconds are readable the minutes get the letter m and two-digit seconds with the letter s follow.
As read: 12h09
